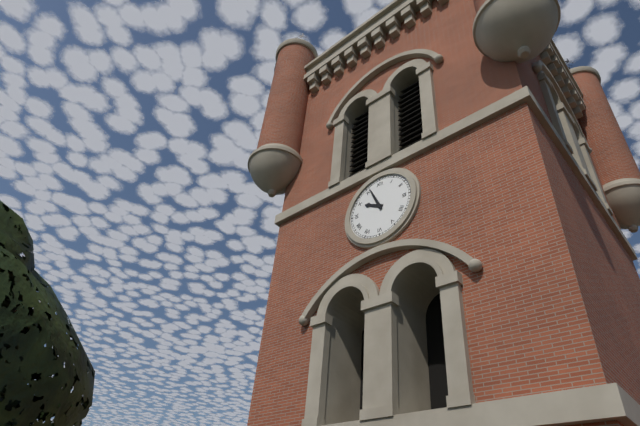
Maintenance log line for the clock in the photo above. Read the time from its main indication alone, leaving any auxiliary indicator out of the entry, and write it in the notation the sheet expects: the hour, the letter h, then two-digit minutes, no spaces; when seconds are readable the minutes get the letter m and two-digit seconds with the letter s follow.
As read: 9h56
